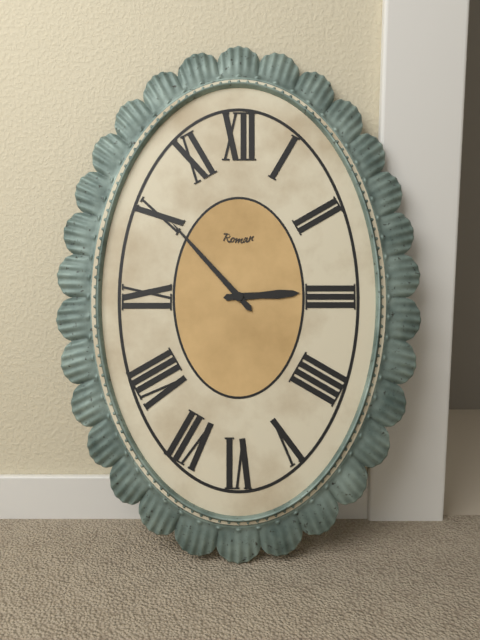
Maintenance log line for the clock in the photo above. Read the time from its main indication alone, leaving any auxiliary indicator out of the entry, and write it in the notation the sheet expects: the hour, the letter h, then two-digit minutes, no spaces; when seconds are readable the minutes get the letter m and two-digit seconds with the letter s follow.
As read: 2h53
